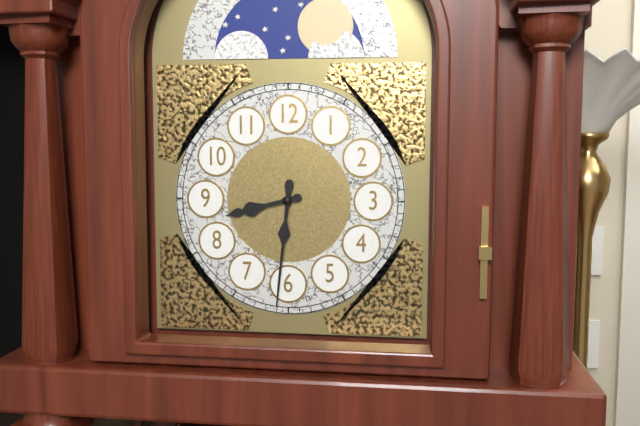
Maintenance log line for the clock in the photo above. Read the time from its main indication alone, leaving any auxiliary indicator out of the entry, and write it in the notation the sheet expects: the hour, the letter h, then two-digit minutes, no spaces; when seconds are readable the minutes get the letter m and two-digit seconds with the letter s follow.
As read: 8h31
